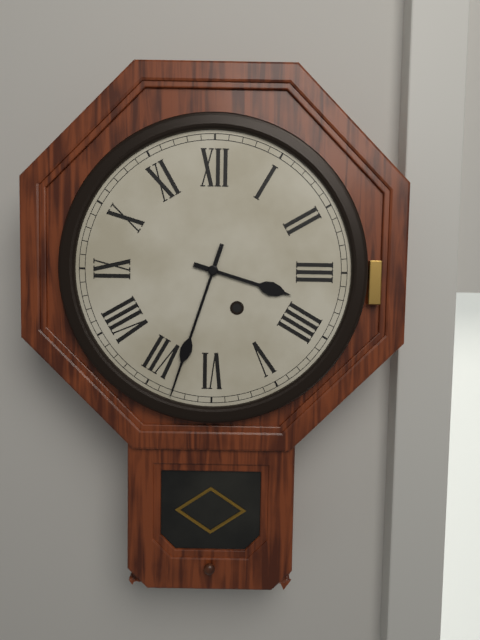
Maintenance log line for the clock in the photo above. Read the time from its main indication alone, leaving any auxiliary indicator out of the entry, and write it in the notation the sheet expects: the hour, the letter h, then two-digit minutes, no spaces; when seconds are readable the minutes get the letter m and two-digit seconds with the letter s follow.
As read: 3h33
